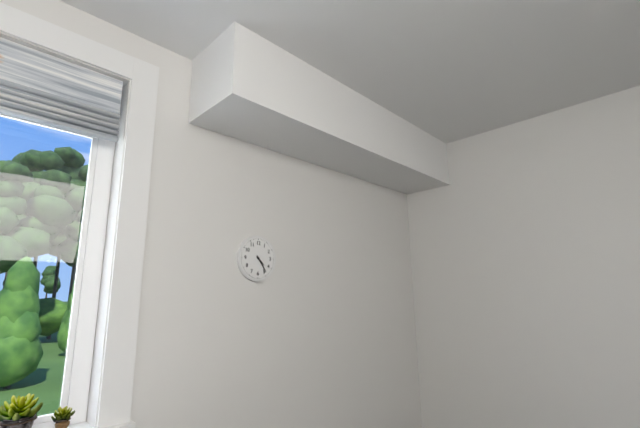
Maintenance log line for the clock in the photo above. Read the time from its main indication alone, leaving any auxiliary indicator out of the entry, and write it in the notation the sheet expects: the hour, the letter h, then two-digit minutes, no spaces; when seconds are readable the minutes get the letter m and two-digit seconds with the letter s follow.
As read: 4h24
